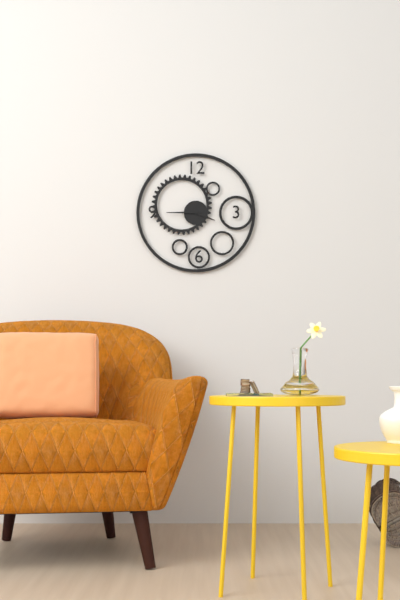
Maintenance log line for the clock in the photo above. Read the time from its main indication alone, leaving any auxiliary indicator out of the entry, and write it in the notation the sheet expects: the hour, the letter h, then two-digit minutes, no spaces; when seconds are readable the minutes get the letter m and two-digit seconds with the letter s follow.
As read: 3h45
